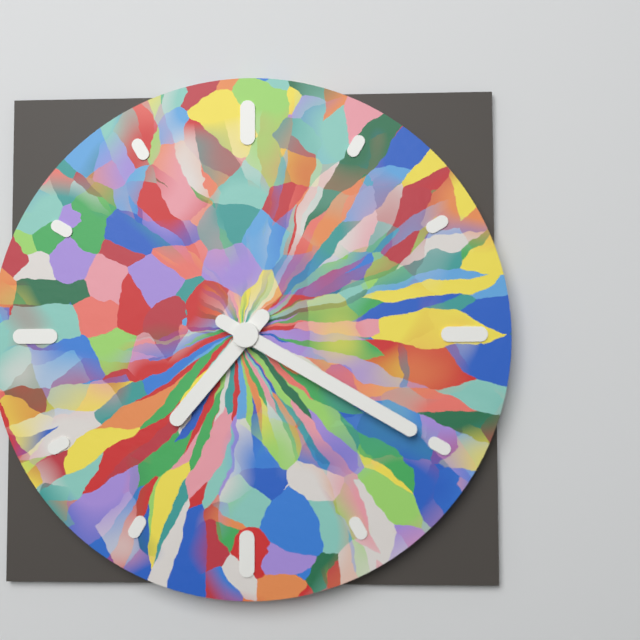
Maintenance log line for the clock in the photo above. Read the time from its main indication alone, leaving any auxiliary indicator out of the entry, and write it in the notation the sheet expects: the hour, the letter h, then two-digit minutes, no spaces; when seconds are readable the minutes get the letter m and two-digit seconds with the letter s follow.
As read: 7h20
